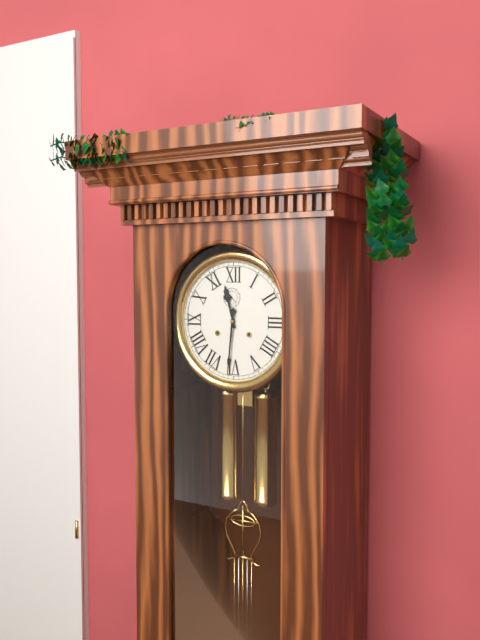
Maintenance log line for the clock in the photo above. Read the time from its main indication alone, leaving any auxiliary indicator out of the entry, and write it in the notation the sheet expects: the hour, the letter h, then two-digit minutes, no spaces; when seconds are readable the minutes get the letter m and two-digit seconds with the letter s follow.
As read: 11h31
